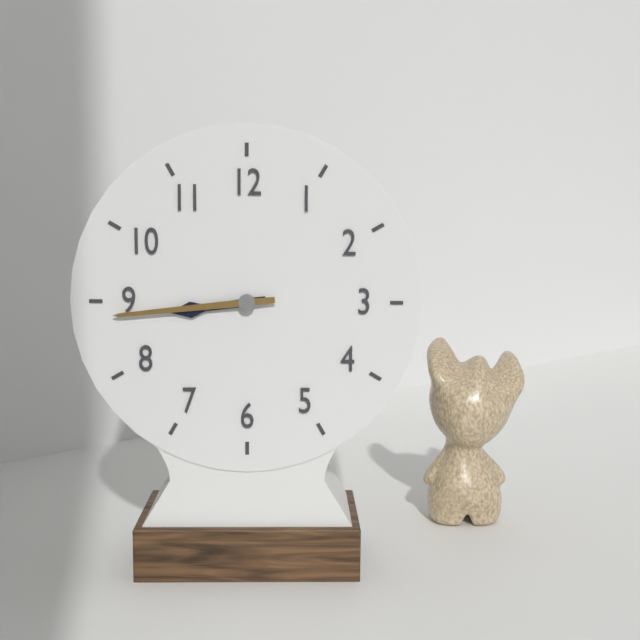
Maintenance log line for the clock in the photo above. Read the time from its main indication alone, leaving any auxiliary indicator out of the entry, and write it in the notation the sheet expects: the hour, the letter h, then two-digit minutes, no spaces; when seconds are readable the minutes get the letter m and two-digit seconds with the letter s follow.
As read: 8h44
